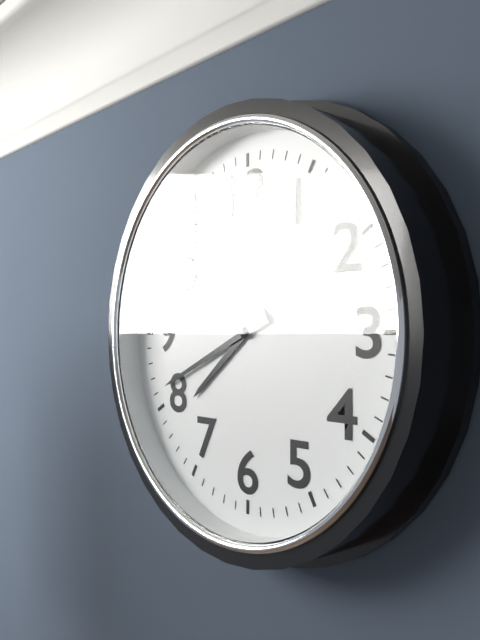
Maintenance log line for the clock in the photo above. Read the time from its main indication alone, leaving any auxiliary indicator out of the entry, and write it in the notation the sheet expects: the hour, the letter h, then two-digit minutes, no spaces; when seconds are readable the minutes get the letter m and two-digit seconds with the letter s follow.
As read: 7h41
